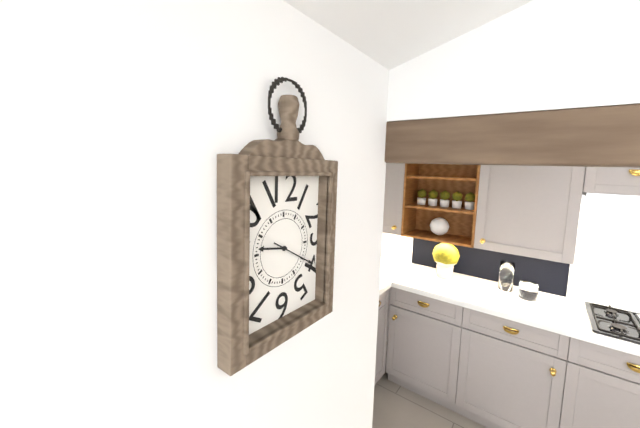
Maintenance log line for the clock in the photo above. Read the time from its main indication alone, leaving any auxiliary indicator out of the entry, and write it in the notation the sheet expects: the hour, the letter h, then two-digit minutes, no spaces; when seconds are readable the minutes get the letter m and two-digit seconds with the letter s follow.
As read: 9h20
